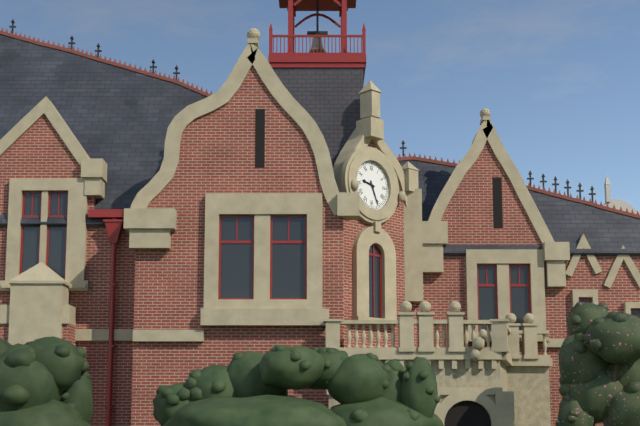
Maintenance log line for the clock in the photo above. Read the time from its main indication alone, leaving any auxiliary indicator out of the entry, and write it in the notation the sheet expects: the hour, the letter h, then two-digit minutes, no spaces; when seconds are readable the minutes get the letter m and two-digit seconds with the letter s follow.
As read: 9h26
